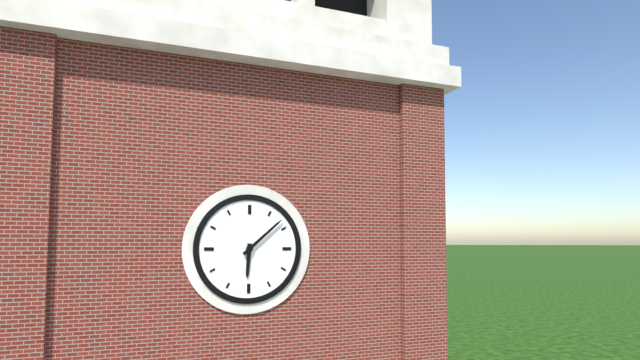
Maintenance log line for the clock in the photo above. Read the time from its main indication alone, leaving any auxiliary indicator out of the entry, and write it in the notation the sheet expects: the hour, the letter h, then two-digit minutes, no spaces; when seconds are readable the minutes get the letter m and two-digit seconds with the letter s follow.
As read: 6h08
